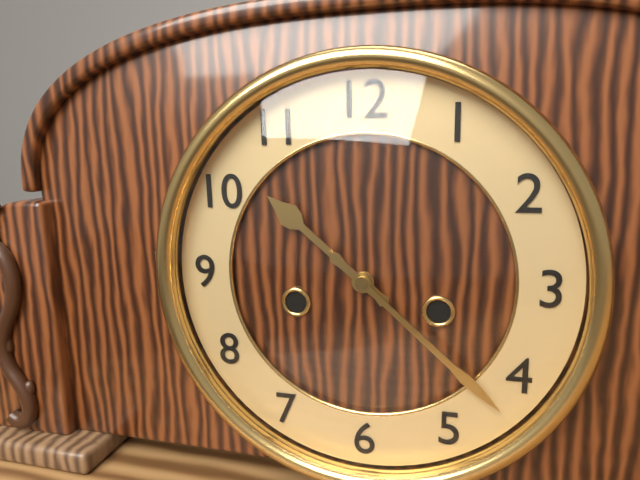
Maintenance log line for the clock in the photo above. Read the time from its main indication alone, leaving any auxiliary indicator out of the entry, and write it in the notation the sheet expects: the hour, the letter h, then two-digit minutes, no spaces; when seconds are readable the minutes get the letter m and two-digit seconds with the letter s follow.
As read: 10h22
